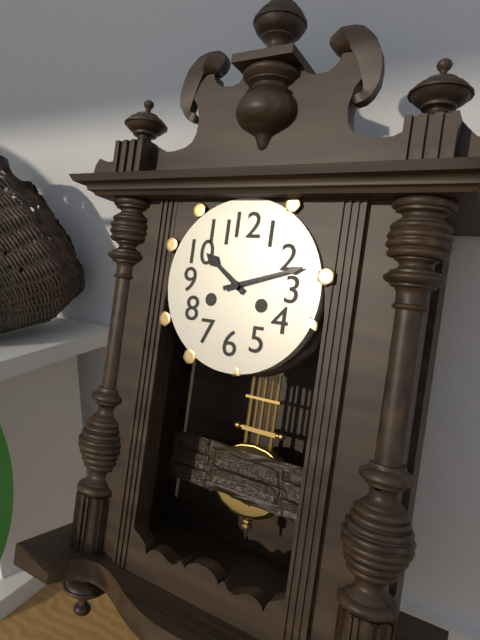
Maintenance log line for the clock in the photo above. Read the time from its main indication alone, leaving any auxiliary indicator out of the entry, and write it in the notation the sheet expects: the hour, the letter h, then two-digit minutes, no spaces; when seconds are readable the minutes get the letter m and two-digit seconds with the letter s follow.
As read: 10h12
